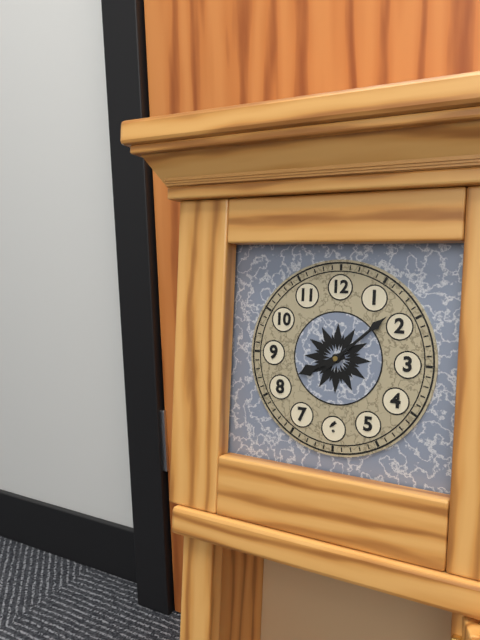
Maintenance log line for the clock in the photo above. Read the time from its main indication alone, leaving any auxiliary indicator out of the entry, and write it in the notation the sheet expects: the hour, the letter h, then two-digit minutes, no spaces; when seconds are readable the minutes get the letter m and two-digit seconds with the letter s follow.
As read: 8h08
